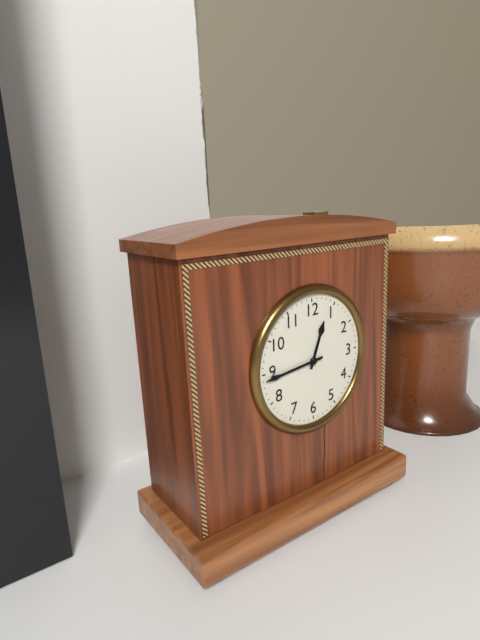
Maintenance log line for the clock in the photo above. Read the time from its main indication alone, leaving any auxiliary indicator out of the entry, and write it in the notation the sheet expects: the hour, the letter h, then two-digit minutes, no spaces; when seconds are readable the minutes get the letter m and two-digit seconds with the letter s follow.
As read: 12h44
